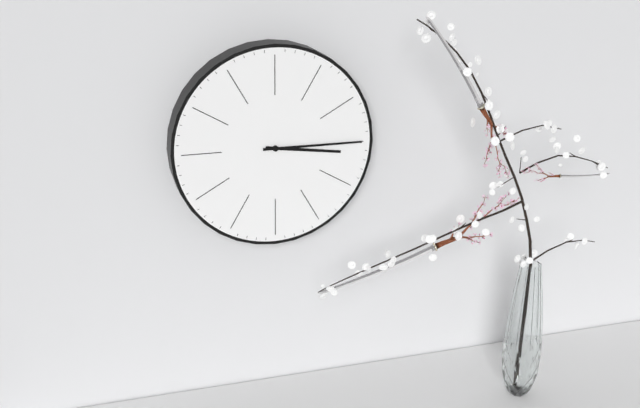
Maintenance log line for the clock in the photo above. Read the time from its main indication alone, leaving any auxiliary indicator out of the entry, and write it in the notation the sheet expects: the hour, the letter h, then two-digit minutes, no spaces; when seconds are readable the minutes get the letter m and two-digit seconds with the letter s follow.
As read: 3h15
